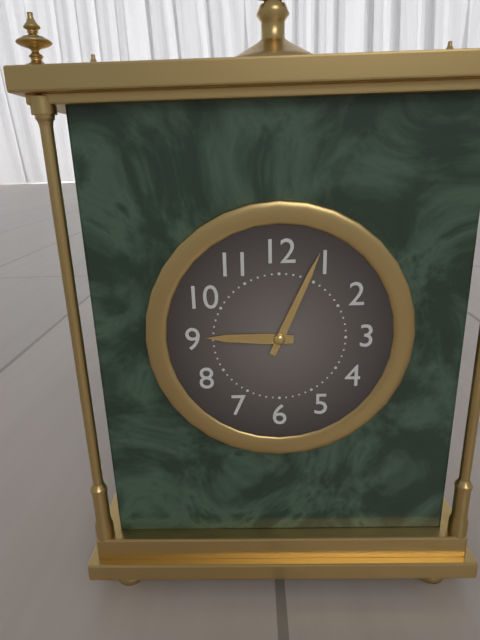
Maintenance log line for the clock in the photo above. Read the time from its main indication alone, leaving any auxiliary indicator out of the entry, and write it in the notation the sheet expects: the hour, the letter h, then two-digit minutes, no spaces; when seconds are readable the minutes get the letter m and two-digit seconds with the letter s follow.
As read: 9h04
